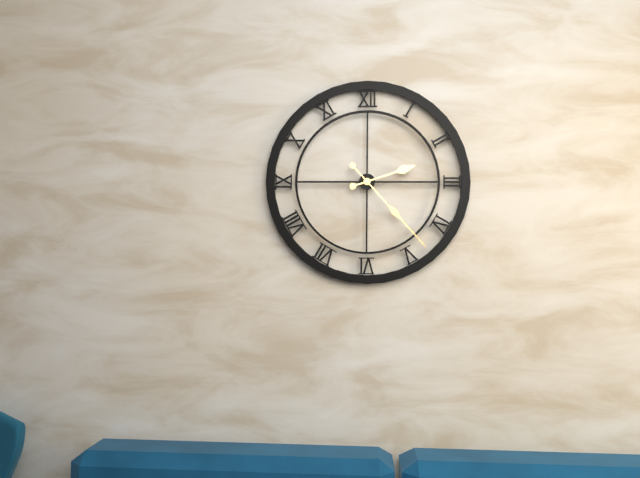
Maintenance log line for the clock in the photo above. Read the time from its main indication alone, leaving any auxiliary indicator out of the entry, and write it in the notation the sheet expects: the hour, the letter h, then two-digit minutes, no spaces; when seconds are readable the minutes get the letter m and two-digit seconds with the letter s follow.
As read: 2h23
